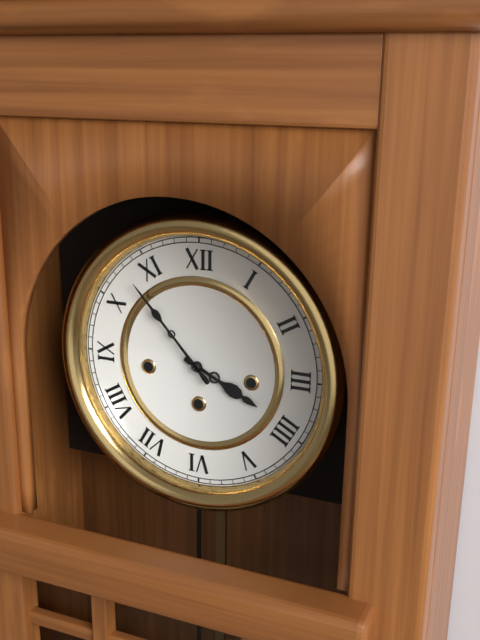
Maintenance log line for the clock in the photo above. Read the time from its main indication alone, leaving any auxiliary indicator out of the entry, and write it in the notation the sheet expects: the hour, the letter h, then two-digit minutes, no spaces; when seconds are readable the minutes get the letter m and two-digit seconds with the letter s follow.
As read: 3h53
